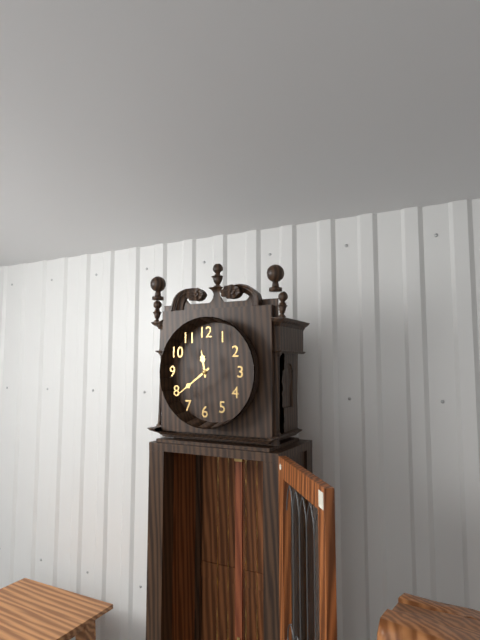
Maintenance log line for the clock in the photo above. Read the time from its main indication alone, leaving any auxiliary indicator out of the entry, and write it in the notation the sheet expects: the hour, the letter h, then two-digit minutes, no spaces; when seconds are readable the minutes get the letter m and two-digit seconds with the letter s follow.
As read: 11h39
